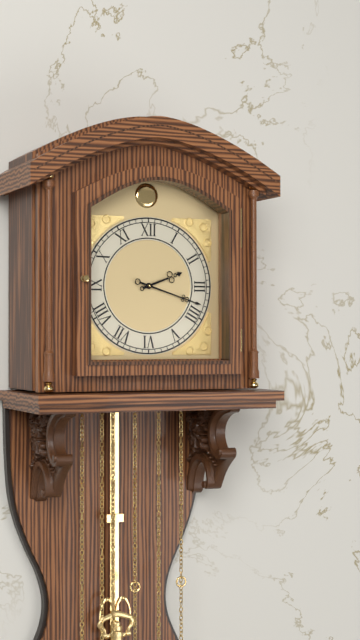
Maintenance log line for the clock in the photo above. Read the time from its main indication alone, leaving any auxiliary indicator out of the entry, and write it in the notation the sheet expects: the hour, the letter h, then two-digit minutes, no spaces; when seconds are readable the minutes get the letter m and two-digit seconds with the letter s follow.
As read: 2h18
